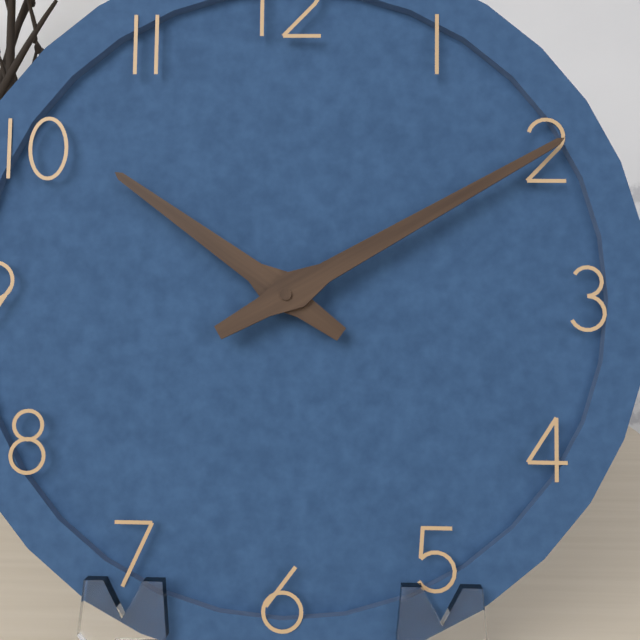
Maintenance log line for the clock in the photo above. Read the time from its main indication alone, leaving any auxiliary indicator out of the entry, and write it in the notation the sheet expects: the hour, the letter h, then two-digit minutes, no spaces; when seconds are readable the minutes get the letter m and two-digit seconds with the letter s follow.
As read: 10h10
